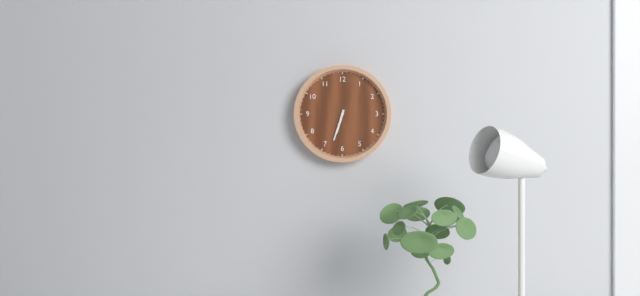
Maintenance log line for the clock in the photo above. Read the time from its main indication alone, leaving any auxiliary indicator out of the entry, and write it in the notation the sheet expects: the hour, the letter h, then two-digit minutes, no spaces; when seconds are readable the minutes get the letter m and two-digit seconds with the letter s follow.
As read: 6h33
